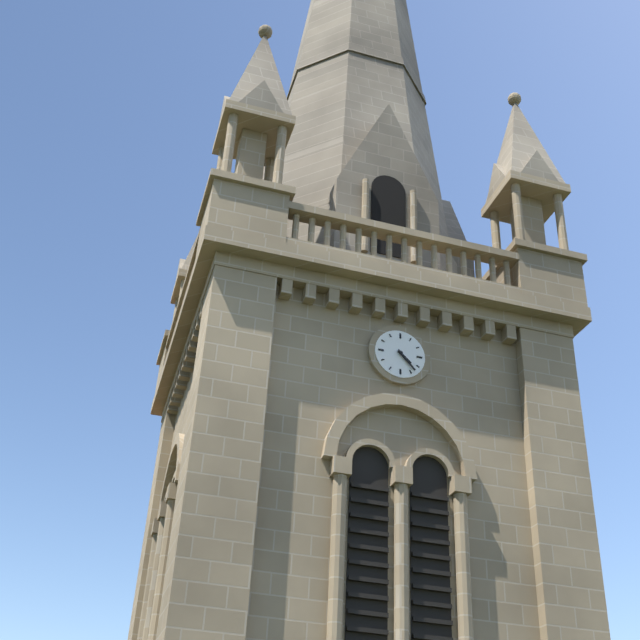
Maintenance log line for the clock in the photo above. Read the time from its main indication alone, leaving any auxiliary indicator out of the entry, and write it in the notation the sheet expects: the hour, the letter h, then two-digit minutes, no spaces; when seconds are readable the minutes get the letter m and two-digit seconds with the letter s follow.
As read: 4h23
